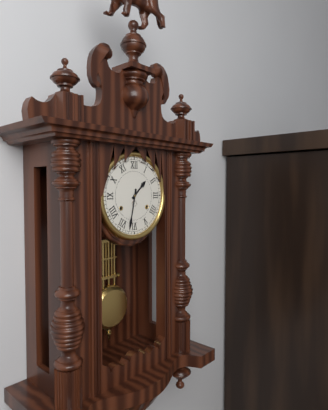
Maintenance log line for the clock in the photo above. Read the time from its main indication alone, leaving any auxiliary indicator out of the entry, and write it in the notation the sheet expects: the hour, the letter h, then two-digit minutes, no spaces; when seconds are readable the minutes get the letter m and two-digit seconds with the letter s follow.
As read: 1h32
